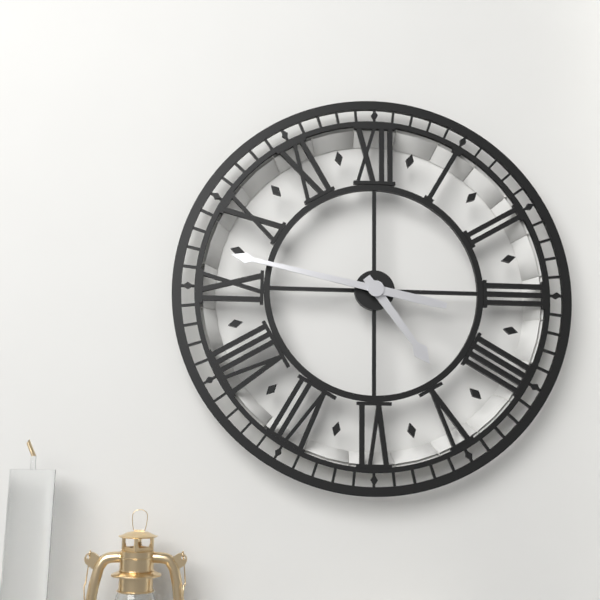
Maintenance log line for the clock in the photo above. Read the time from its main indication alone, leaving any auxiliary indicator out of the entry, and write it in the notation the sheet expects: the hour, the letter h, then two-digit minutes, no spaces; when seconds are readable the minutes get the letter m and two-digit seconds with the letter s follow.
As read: 4h47
